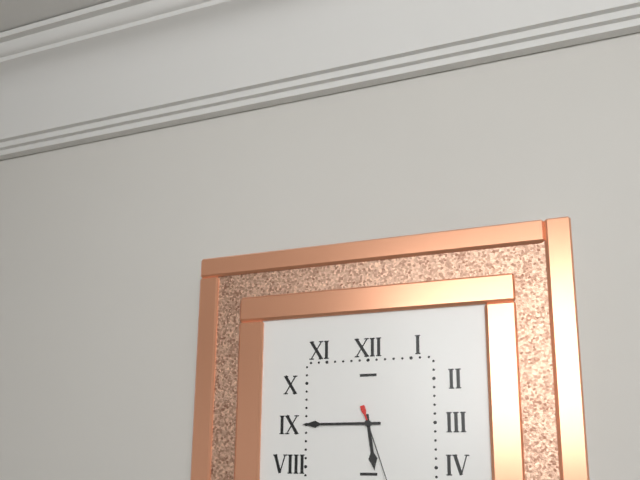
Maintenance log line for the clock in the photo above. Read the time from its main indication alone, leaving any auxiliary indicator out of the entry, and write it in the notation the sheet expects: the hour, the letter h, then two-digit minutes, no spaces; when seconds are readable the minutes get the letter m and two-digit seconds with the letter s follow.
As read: 5h45
